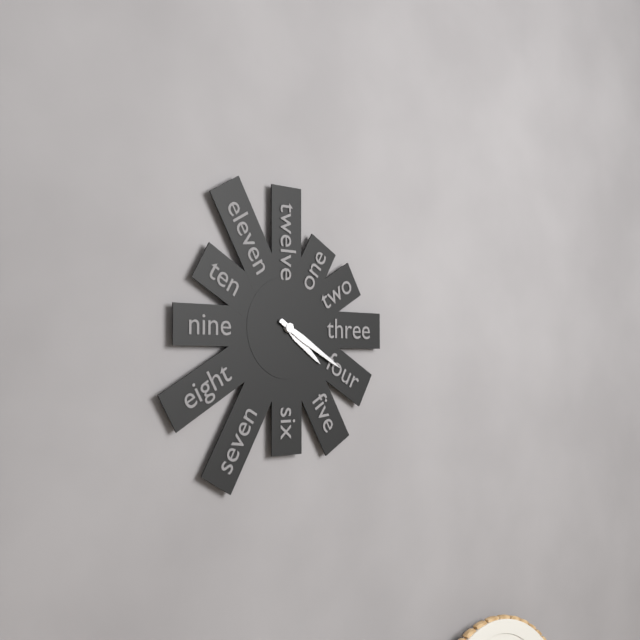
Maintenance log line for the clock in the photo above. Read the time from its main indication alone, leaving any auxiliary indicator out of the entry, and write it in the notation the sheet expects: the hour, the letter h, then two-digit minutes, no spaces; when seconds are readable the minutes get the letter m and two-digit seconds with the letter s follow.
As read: 4h20
